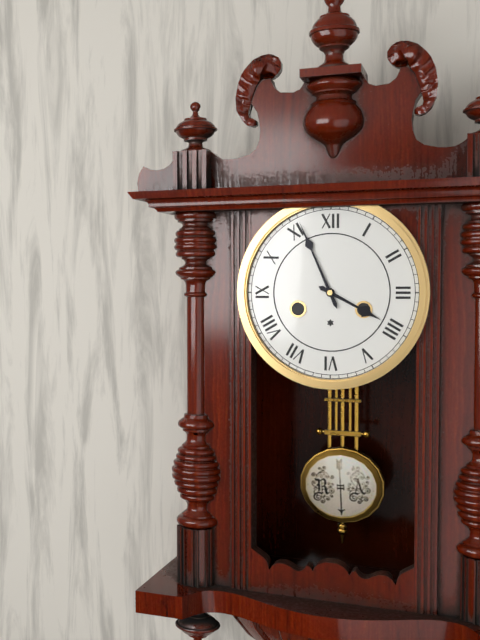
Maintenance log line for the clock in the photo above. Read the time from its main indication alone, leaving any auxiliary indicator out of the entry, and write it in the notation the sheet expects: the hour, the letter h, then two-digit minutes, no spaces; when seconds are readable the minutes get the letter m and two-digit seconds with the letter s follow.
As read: 3h56
